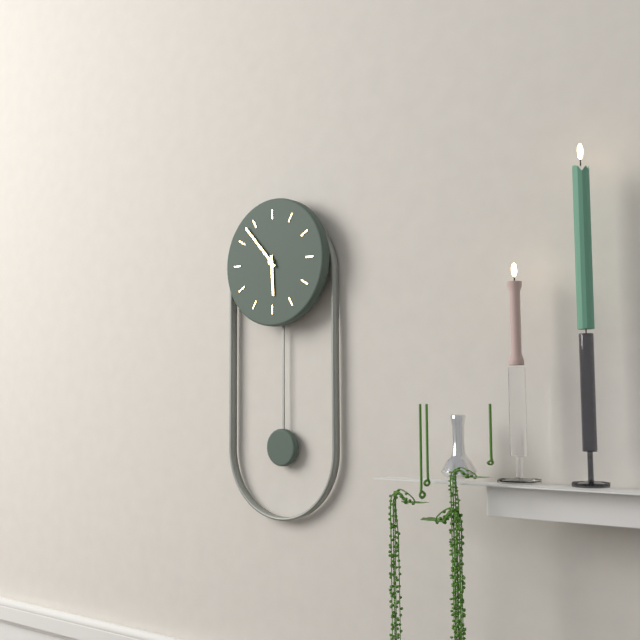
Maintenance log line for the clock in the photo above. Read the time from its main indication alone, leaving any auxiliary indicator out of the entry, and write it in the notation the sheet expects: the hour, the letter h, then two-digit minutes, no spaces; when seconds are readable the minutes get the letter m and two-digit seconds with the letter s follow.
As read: 5h53
